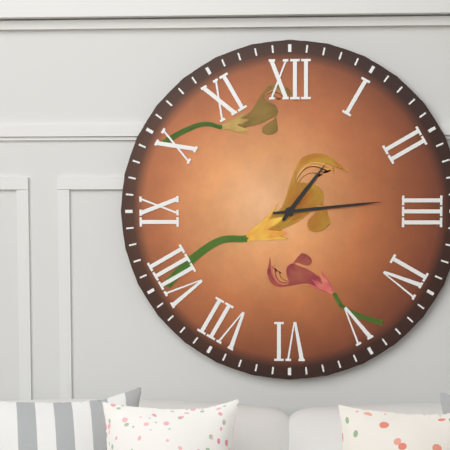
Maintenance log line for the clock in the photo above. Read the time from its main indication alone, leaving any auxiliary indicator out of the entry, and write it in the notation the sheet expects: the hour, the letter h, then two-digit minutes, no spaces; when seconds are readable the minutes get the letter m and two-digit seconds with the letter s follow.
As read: 1h14
